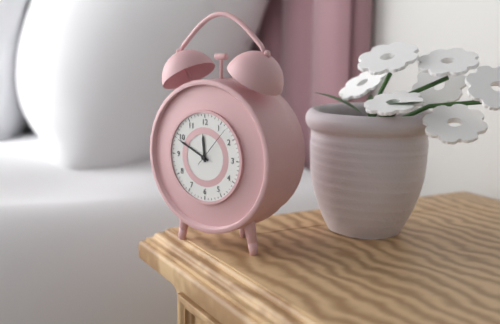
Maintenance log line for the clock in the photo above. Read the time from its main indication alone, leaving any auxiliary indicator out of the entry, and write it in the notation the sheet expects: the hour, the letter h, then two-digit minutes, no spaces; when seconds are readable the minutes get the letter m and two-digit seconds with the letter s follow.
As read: 11h49
